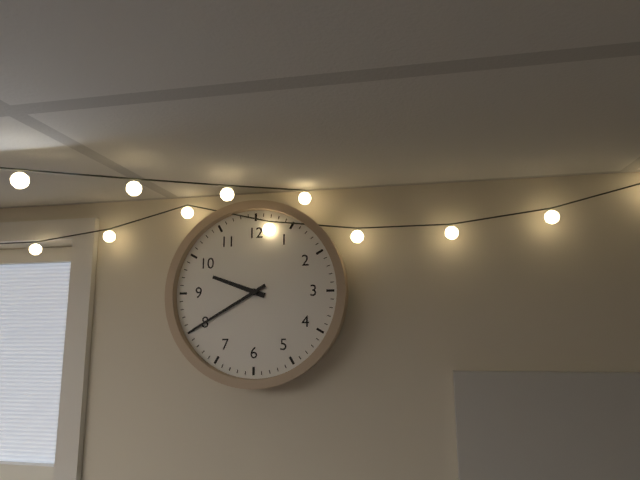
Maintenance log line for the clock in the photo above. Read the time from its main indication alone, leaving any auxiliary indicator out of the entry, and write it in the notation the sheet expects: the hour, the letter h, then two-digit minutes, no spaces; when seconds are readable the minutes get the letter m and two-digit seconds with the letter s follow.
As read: 9h40
